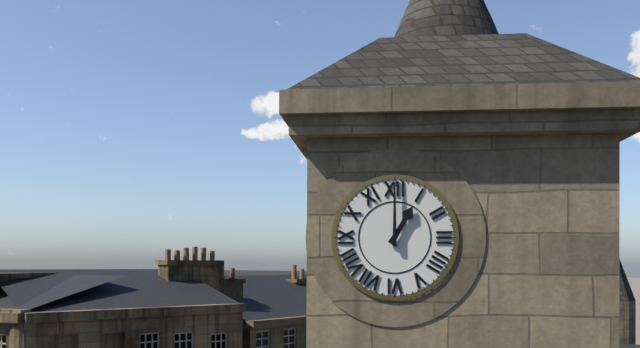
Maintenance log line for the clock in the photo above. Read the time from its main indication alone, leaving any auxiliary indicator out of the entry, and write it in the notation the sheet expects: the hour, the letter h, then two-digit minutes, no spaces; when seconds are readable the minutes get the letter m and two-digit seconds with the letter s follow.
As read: 1h00
